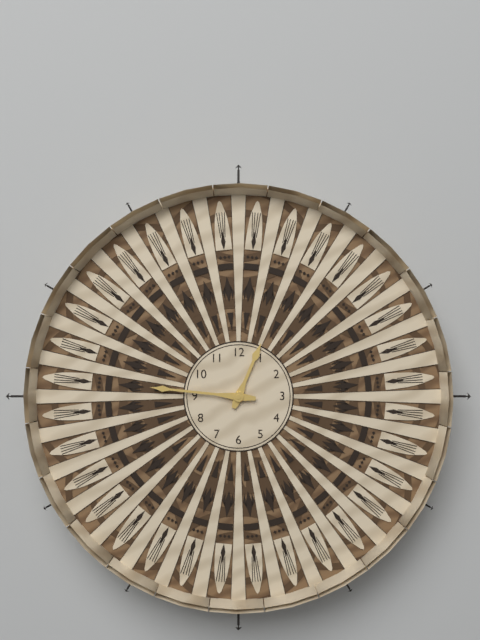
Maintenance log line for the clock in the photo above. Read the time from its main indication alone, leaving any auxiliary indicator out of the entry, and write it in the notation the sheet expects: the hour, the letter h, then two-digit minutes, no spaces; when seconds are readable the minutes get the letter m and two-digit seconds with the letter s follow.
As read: 12h46
